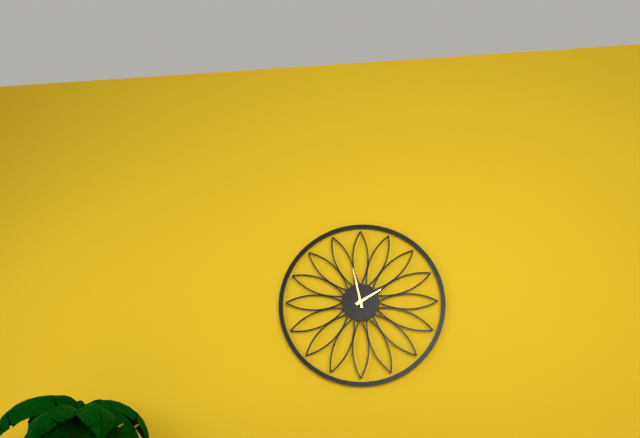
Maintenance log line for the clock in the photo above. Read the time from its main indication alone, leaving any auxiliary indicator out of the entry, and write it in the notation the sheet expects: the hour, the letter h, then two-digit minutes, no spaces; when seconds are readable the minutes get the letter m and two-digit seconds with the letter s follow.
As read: 1h58
